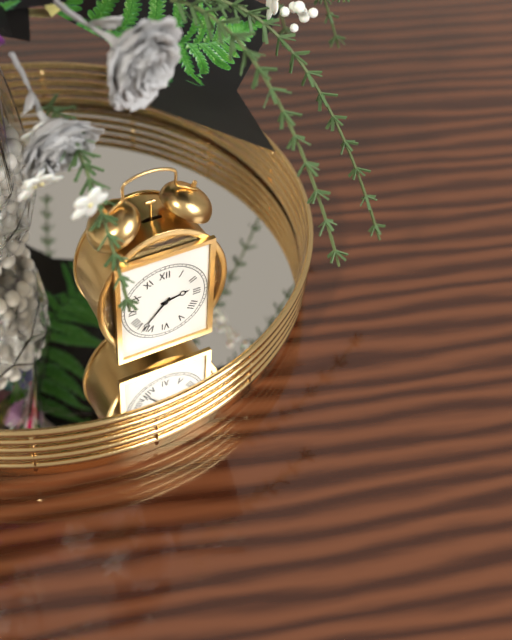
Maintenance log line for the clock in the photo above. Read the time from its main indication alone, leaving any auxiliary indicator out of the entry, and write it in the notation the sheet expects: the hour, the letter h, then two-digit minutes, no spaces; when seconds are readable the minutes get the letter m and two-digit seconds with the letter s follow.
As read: 2h37
